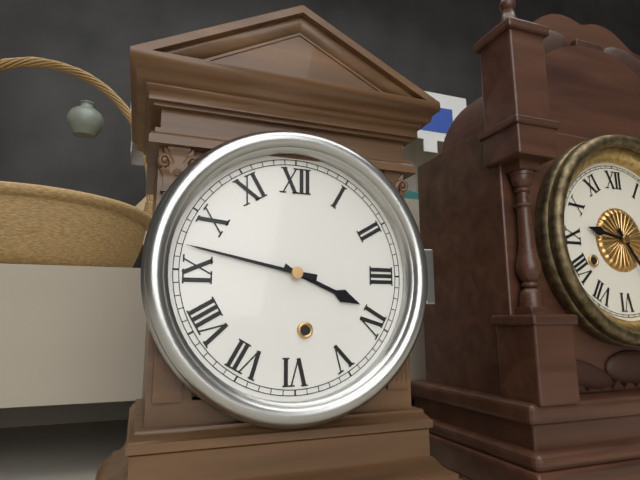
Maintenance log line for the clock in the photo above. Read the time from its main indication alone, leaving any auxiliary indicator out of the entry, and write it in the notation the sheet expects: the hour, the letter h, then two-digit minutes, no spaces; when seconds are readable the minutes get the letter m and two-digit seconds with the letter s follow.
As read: 3h47
